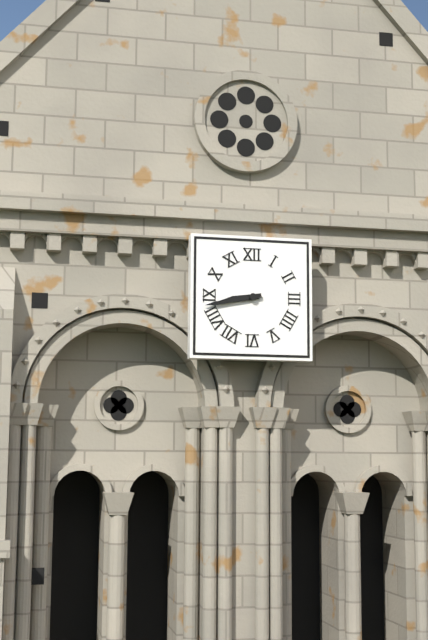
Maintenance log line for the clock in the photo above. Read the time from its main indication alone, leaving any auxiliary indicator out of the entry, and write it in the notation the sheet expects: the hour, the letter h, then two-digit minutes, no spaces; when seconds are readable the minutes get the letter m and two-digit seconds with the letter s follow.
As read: 8h43
